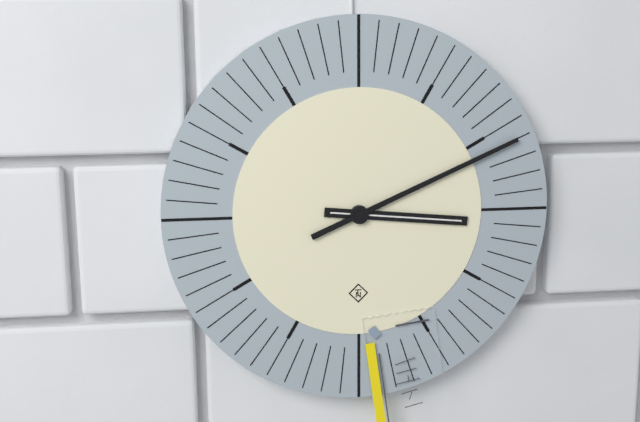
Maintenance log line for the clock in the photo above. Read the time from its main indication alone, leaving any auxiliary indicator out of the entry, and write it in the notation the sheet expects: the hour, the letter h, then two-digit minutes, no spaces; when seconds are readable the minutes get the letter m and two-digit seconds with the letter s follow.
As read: 3h11
